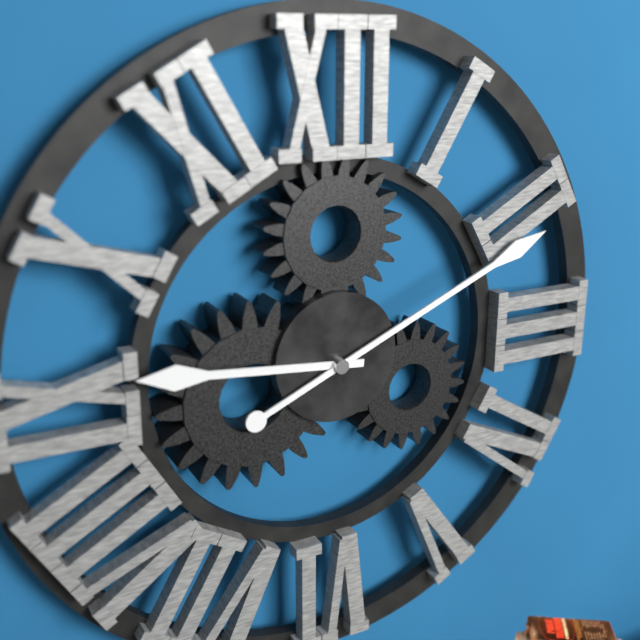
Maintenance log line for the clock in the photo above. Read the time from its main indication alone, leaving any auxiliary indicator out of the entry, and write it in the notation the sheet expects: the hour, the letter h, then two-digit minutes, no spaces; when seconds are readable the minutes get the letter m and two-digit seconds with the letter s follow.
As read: 9h11
